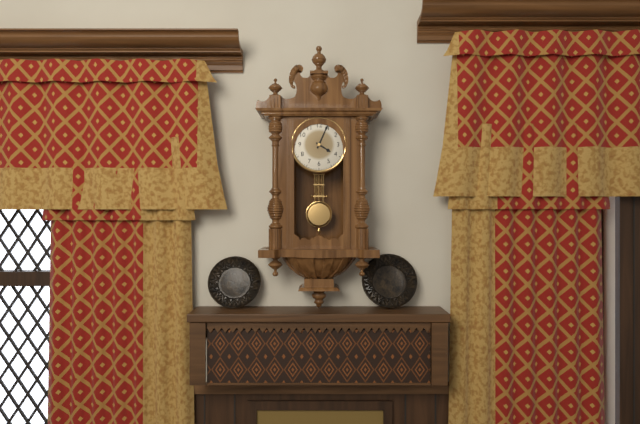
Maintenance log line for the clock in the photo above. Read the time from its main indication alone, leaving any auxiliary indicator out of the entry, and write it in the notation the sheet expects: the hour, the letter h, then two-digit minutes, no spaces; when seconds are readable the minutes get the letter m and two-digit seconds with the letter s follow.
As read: 4h04
